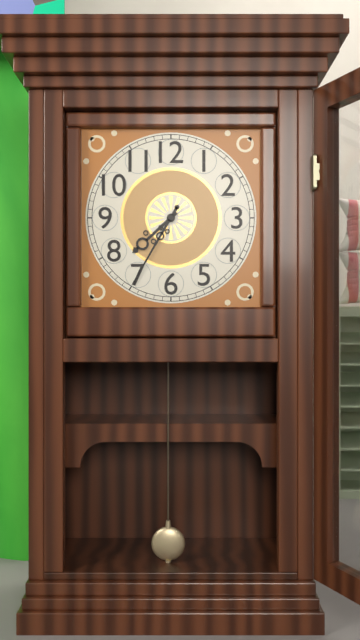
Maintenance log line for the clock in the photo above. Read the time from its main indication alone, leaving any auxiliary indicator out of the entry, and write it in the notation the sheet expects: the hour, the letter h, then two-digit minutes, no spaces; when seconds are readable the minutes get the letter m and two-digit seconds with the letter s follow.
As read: 7h35
